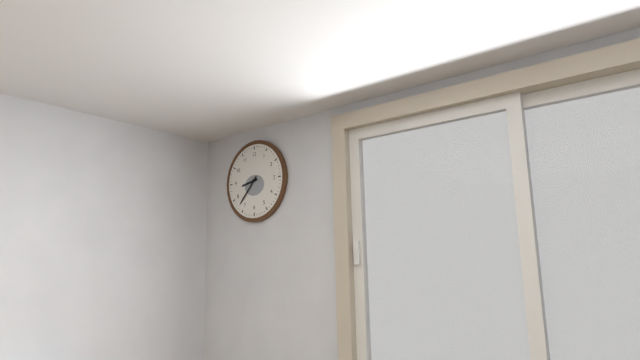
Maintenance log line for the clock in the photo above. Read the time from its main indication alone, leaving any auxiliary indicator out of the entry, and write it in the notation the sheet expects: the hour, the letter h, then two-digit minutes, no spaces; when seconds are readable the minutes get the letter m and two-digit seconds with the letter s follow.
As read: 8h37
